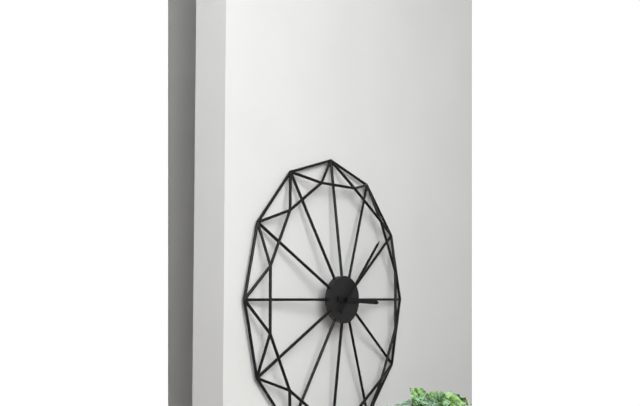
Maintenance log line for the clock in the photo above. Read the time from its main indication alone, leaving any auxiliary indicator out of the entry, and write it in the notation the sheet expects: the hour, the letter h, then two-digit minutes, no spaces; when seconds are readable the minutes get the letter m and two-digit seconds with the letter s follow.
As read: 3h07
